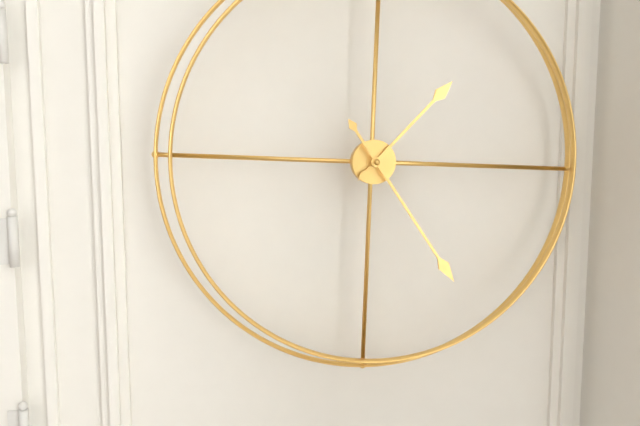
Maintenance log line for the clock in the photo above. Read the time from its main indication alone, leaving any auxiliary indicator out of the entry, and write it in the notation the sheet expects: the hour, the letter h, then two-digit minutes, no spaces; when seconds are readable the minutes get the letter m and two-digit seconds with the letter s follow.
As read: 1h24
